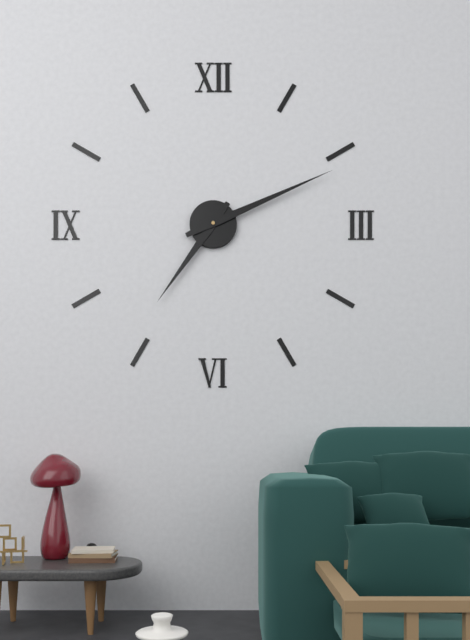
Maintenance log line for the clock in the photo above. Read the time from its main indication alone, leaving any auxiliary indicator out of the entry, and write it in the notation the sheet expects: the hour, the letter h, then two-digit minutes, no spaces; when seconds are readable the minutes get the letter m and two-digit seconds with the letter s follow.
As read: 7h11
